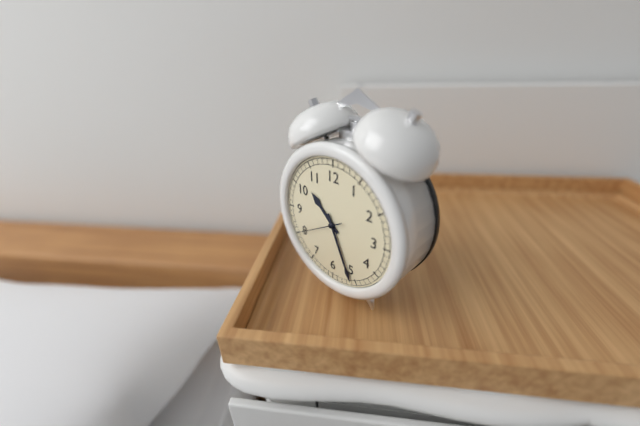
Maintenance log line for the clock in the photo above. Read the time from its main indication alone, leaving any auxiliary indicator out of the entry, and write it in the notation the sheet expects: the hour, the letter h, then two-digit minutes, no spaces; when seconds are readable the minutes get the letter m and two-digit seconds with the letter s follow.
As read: 10h26
